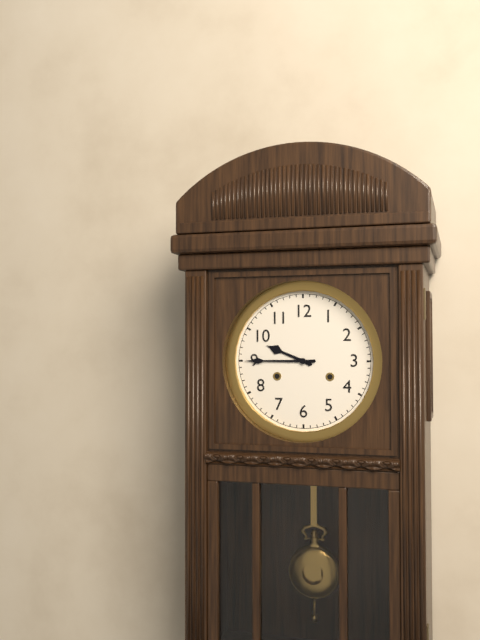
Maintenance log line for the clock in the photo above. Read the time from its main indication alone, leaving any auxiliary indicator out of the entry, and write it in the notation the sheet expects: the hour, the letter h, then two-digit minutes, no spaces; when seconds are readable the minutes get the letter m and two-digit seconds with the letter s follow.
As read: 9h45
